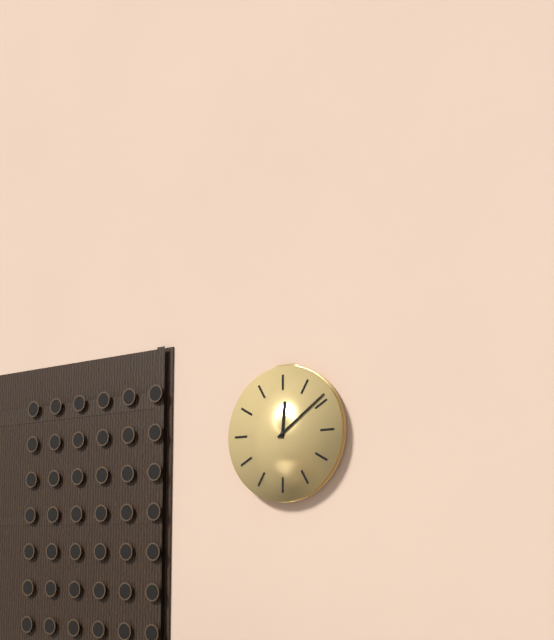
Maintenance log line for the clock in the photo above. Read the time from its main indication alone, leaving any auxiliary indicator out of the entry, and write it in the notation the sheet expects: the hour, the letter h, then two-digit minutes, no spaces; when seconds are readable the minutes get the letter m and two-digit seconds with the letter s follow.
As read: 12h09
